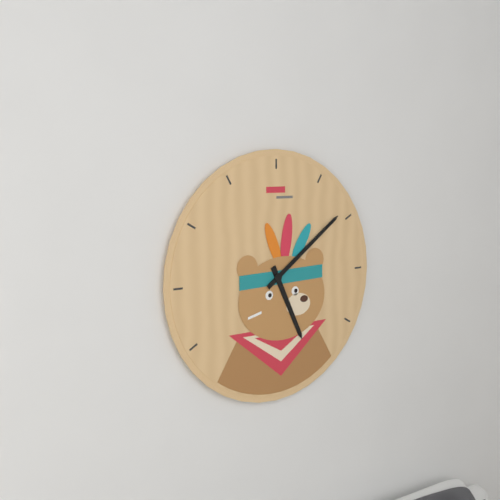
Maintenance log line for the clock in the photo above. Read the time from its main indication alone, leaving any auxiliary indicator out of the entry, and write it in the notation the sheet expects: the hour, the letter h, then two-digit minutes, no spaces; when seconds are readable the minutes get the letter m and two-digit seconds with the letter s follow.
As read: 5h09
